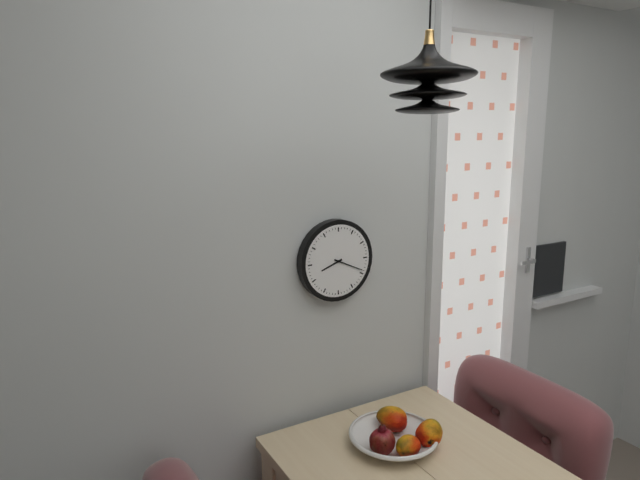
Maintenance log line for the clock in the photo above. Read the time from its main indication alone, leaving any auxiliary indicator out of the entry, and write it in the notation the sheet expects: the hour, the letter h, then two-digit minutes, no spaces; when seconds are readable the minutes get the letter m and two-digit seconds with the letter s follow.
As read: 8h19
